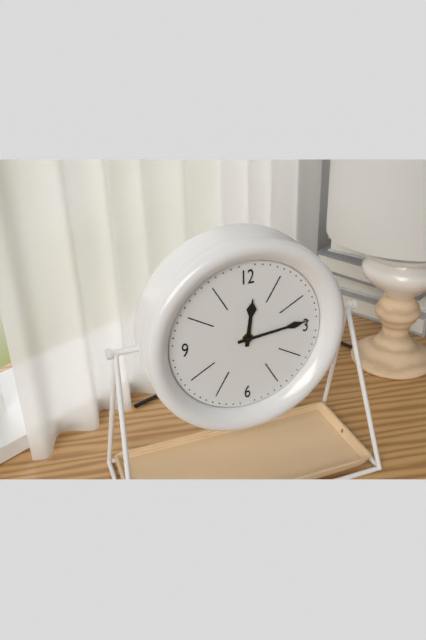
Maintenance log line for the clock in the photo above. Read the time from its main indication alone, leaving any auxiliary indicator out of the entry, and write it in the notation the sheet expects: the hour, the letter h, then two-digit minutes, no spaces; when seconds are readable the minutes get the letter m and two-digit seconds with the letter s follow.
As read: 12h14
